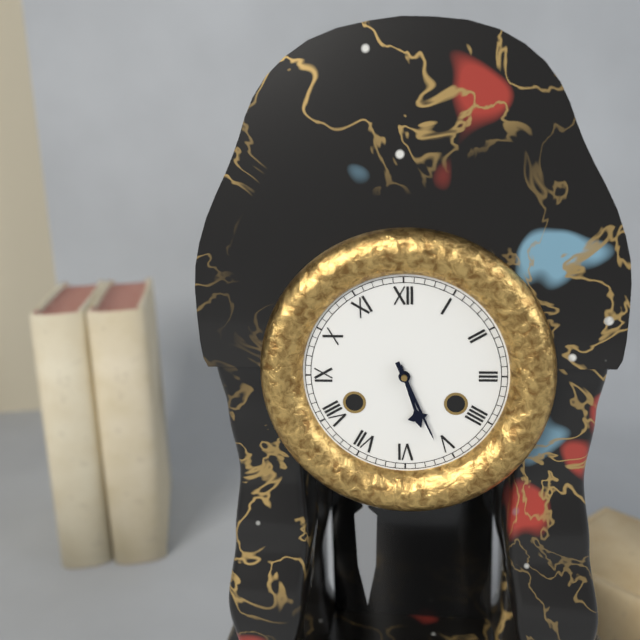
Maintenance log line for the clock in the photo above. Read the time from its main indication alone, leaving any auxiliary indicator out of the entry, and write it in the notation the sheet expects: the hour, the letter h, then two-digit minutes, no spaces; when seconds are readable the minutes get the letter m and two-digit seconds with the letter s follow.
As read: 5h26
